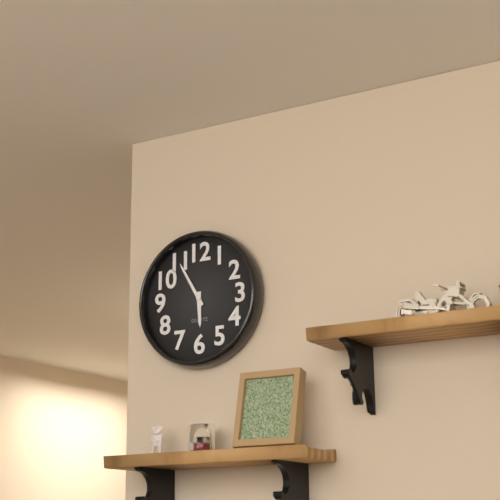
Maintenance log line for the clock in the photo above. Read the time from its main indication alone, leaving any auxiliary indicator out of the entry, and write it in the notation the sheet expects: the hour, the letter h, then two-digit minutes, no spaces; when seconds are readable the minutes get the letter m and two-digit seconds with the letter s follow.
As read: 5h55
